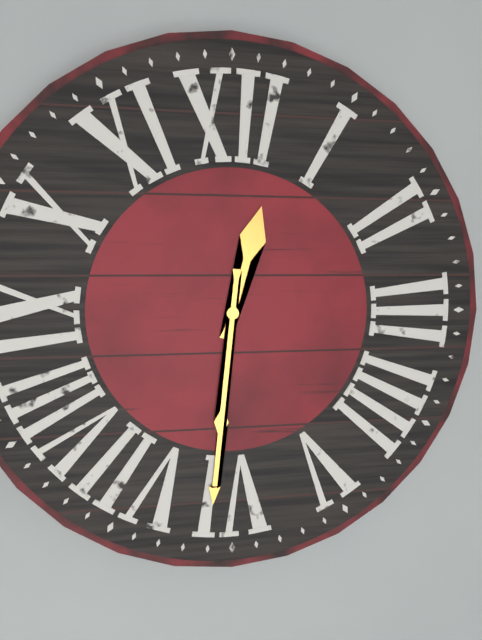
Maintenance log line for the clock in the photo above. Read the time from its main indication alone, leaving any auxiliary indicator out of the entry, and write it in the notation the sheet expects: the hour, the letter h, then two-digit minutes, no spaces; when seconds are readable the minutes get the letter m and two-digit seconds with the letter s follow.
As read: 12h31
